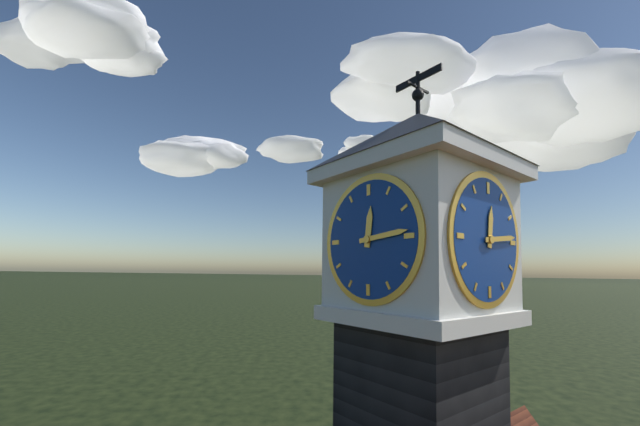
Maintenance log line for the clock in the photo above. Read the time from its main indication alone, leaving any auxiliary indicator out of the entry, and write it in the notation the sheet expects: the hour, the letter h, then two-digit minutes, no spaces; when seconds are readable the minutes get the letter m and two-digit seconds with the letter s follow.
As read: 12h14
